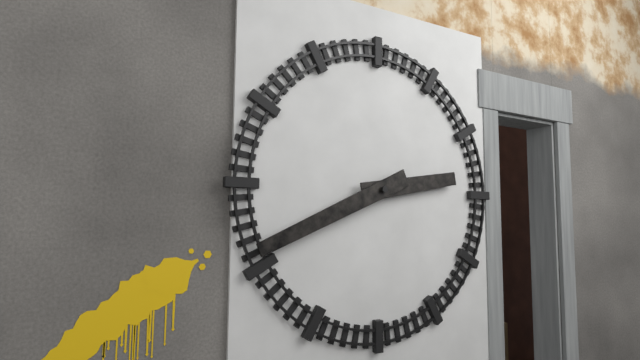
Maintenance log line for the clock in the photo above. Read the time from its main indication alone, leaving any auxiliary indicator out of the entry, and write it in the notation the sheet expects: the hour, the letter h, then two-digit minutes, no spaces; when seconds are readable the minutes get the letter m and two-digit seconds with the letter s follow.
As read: 2h41
